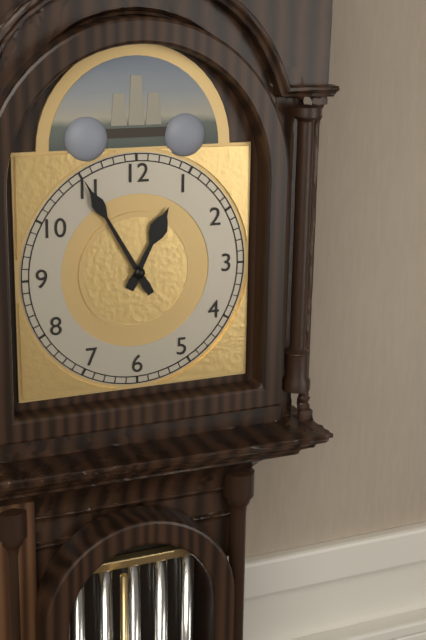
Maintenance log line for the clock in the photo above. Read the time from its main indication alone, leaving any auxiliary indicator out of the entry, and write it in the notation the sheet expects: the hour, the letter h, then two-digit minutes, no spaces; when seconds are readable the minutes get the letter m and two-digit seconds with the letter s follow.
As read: 12h55
